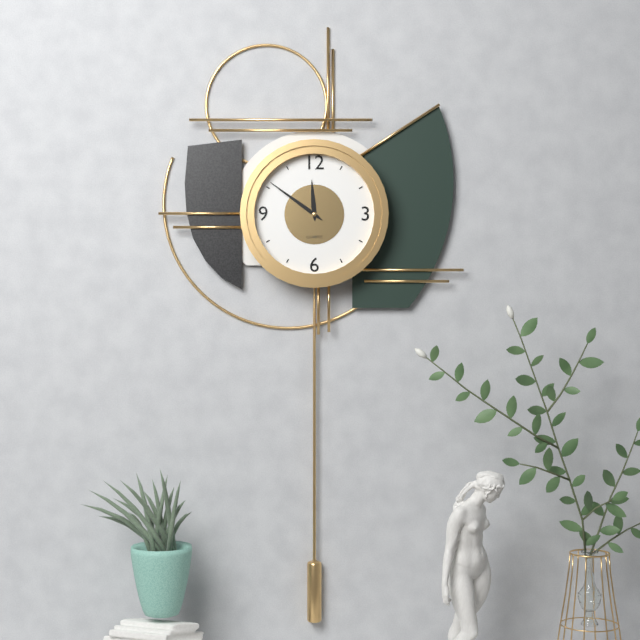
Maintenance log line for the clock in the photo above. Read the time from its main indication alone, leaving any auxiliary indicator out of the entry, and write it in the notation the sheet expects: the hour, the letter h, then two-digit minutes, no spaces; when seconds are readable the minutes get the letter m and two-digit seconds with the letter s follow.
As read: 11h51
